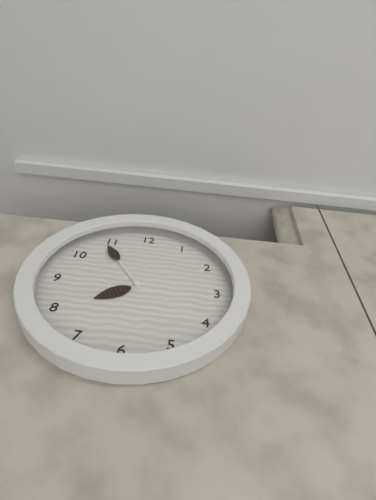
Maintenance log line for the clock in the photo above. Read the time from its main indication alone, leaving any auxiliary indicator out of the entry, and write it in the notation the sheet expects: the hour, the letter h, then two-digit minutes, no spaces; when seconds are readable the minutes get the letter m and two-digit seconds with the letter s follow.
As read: 7h54
